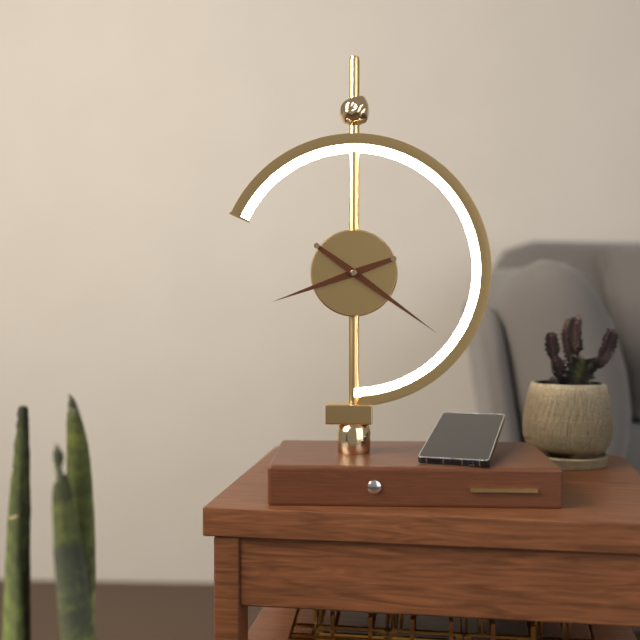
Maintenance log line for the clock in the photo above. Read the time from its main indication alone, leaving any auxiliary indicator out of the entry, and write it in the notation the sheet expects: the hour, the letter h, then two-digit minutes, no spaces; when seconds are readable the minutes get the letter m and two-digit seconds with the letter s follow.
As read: 8h21
